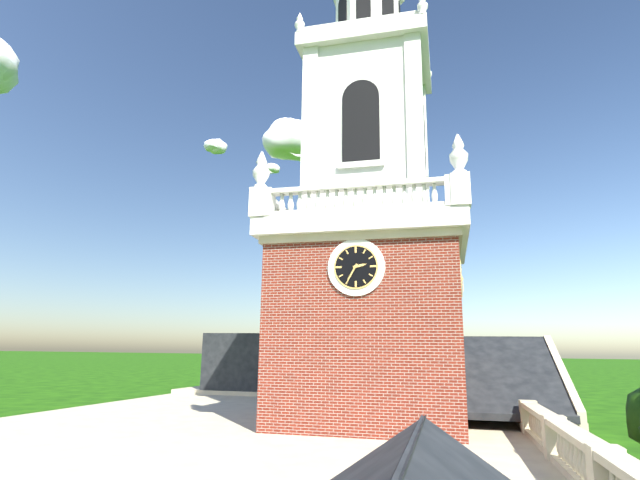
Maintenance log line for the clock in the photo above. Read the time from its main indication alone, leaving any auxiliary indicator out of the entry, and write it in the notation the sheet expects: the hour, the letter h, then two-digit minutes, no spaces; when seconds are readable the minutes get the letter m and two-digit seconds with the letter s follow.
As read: 2h35
